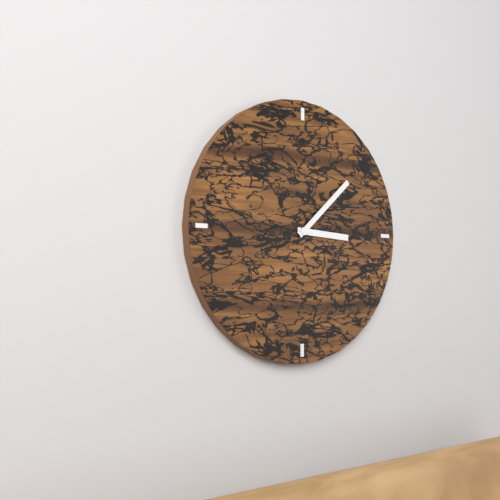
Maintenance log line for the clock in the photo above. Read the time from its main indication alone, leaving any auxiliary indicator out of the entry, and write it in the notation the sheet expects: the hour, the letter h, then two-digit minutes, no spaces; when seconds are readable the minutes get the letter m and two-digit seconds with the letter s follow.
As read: 3h08
